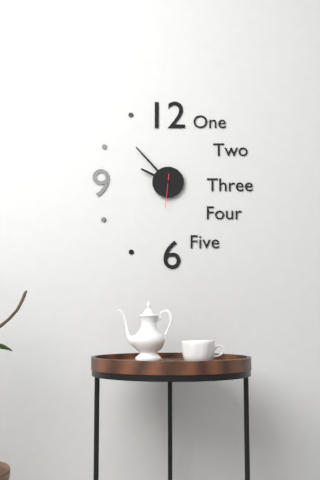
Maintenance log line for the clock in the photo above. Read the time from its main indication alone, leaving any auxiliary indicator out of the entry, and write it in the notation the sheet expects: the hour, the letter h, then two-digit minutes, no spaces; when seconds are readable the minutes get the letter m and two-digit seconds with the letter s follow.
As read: 9h53
